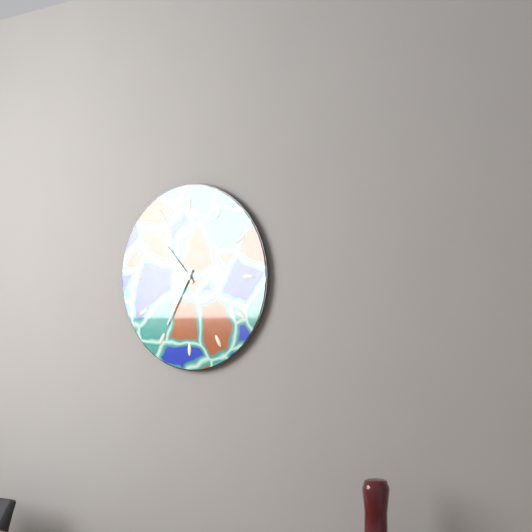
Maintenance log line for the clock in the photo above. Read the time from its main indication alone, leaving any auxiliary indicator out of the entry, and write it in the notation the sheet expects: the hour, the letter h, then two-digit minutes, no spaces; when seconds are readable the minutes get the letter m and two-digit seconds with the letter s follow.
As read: 10h35
